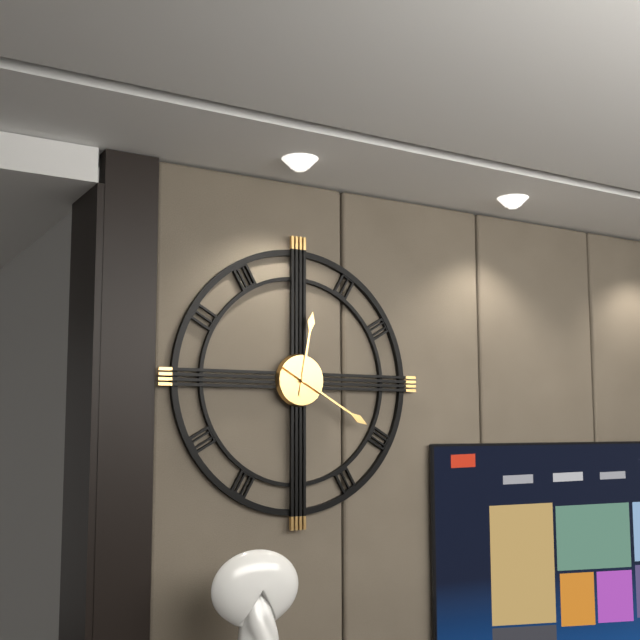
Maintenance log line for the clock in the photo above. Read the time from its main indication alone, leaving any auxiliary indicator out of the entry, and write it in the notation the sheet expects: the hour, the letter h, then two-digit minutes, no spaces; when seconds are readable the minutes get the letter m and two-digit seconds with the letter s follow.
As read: 12h20
